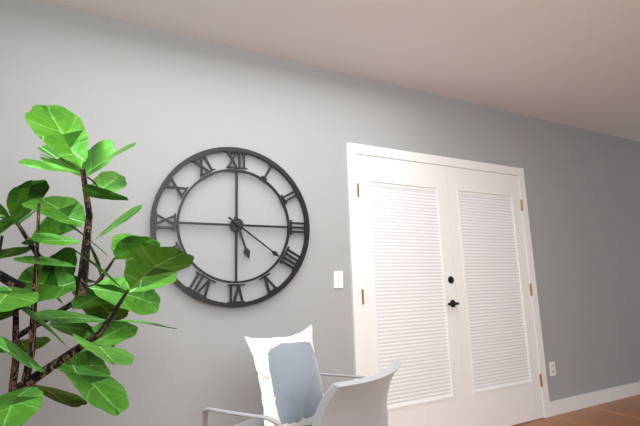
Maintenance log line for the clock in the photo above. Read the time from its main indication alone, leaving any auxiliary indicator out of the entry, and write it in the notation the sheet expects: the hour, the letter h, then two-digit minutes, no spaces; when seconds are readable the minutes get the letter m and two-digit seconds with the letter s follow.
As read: 5h21
